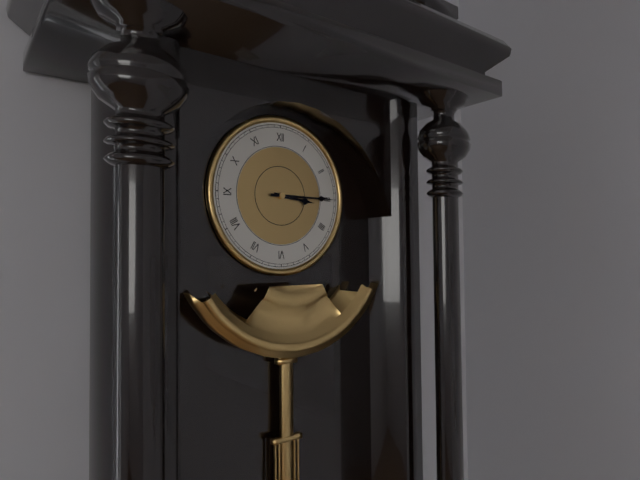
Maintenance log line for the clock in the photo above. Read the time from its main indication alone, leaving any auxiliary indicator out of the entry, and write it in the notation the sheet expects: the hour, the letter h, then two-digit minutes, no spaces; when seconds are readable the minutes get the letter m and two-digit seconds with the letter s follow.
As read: 3h15
